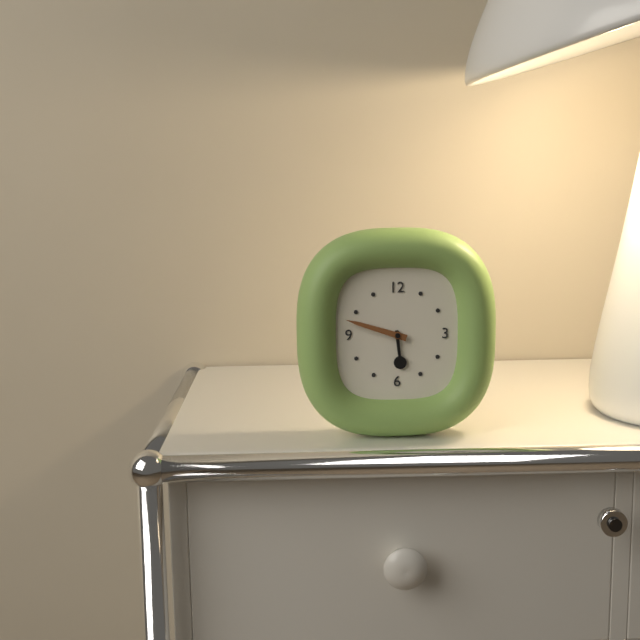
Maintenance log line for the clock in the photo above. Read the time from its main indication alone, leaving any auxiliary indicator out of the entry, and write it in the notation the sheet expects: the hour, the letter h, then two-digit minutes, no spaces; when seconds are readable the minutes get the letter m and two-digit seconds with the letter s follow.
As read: 5h48
